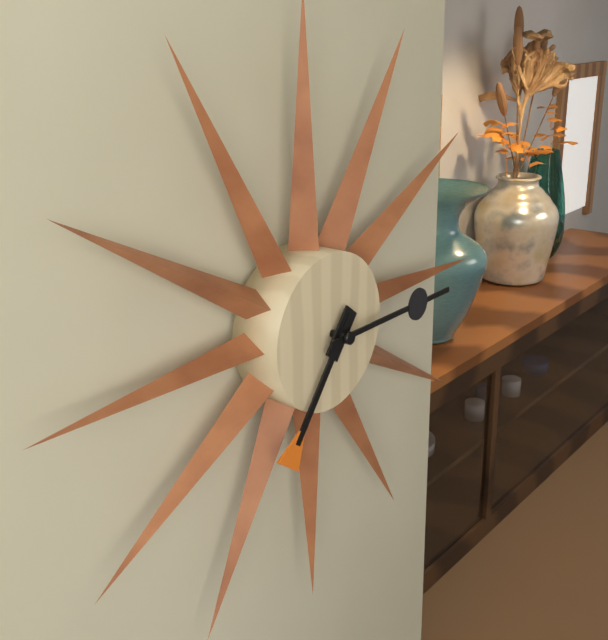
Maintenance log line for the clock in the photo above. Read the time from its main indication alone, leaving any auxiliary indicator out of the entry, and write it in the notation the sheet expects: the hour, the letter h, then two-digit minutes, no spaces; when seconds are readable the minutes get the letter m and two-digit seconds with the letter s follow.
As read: 7h15
